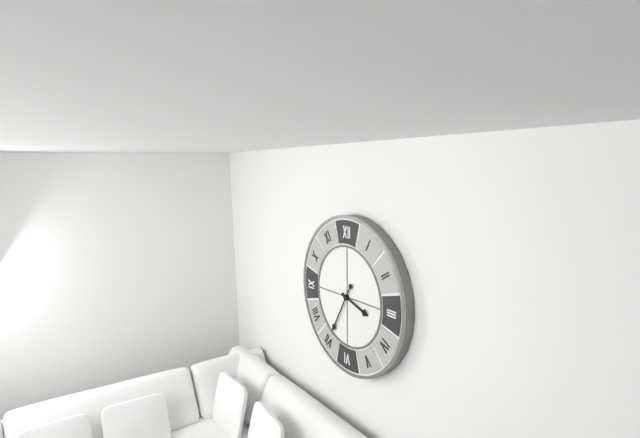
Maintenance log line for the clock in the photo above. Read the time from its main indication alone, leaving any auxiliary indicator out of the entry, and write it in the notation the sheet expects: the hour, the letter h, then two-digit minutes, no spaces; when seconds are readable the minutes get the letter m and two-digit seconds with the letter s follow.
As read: 3h35
